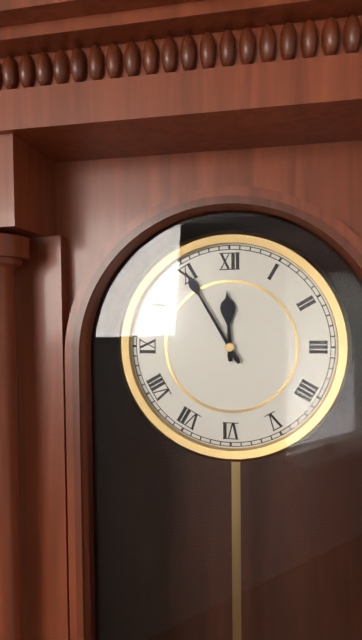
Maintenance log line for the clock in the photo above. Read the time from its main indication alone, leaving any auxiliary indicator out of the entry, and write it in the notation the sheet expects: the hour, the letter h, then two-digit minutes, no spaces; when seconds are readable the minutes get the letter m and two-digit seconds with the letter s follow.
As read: 11h55
